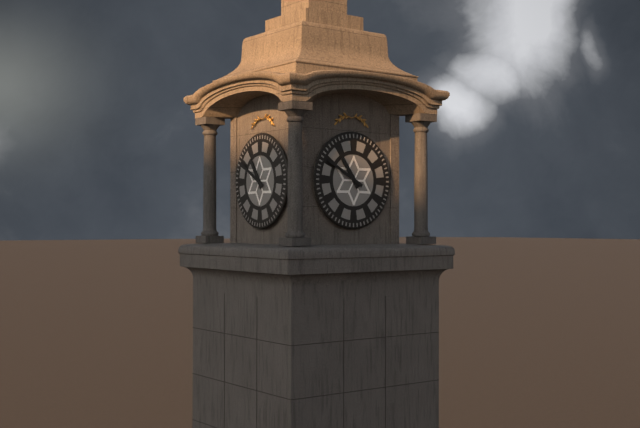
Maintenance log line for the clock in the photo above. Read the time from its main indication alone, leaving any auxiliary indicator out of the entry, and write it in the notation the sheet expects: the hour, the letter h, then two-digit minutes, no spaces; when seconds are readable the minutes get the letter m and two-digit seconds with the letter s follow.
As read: 10h50
